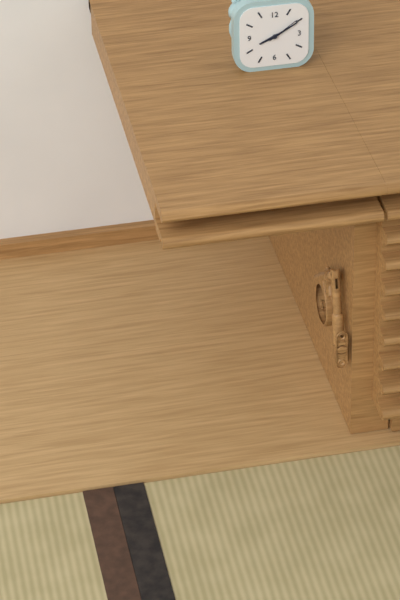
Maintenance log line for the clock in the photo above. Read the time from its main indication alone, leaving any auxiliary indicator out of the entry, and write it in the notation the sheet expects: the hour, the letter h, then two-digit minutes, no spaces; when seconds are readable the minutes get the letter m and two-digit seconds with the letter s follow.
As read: 8h10
